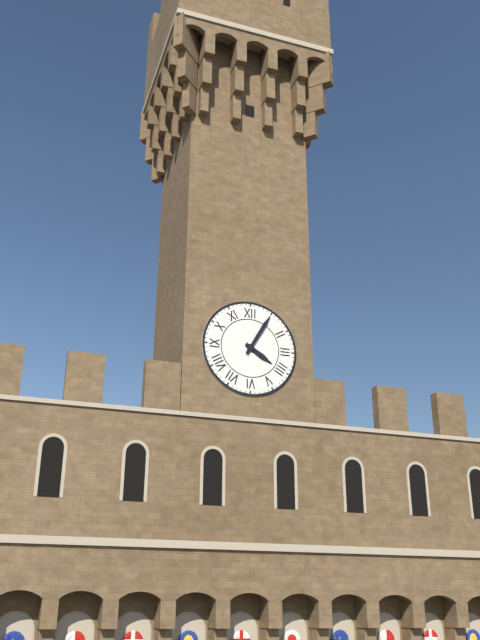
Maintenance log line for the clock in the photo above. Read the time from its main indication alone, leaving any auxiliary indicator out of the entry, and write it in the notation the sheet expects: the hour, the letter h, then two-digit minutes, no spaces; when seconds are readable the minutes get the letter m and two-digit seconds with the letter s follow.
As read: 4h05
